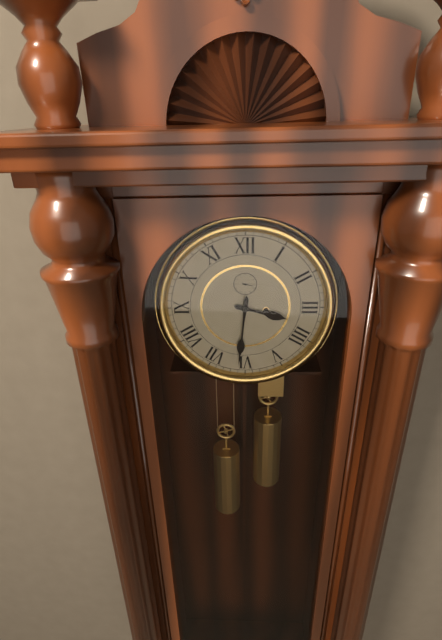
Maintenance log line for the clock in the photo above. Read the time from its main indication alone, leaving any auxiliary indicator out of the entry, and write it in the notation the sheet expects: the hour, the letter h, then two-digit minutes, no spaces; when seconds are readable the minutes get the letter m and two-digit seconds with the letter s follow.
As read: 3h31
